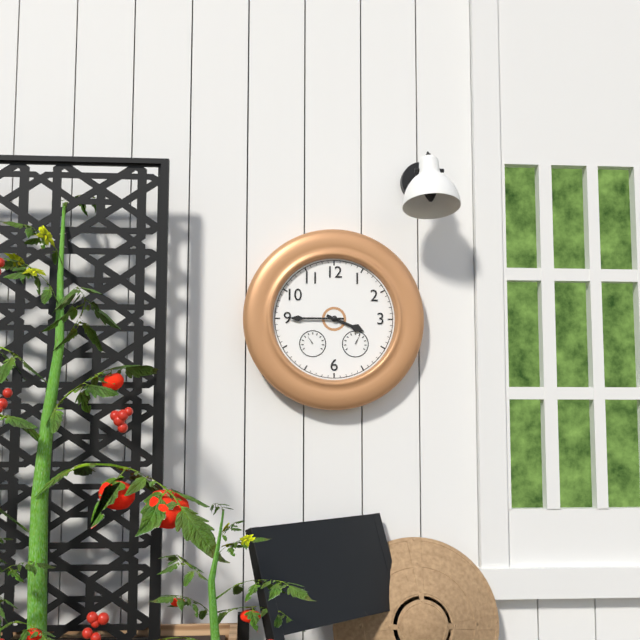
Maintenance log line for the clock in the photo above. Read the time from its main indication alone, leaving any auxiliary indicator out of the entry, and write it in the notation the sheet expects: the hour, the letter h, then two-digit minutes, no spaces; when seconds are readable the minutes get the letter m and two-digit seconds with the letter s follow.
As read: 3h45
